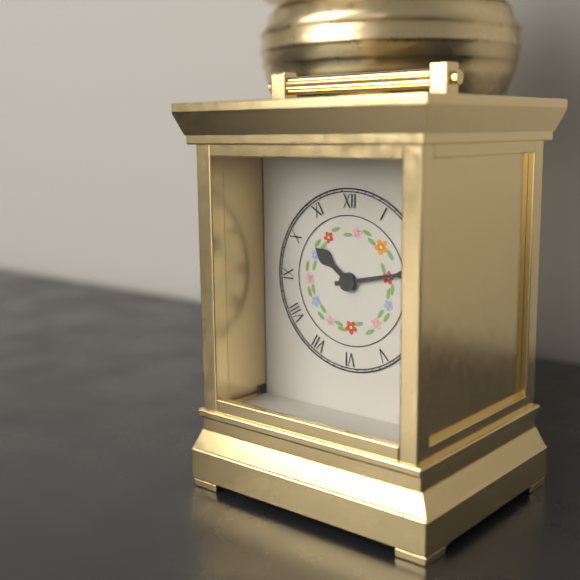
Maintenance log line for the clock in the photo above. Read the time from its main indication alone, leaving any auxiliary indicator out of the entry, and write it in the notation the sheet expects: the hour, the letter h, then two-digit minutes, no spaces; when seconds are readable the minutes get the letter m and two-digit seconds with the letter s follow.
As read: 10h13
